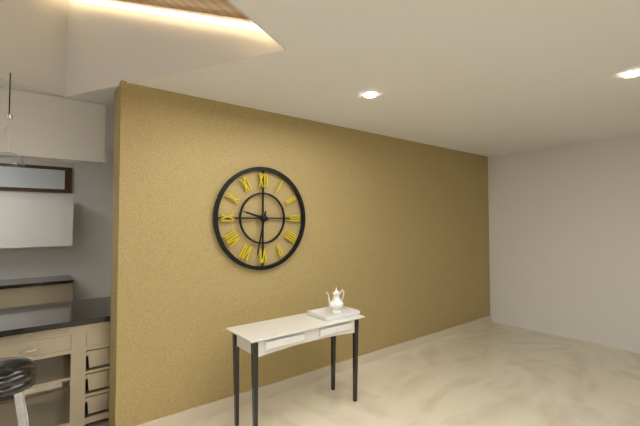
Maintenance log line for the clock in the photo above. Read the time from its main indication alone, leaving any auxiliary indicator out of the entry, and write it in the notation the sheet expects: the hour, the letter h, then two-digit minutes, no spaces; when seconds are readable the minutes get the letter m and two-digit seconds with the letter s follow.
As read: 9h32
